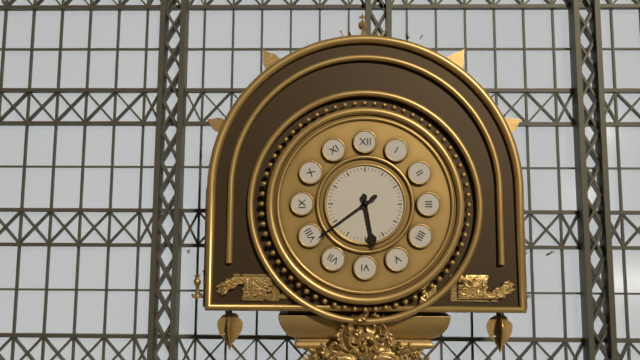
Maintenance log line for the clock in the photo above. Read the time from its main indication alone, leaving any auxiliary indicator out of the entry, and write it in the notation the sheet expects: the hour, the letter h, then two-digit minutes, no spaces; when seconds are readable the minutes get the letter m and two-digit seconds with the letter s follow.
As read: 5h39
